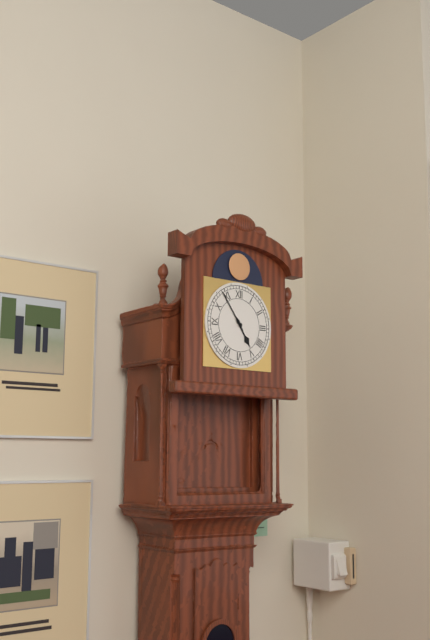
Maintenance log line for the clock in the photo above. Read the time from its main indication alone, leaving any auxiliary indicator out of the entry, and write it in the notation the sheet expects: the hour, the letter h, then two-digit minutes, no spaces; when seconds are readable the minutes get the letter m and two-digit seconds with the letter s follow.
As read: 4h54
